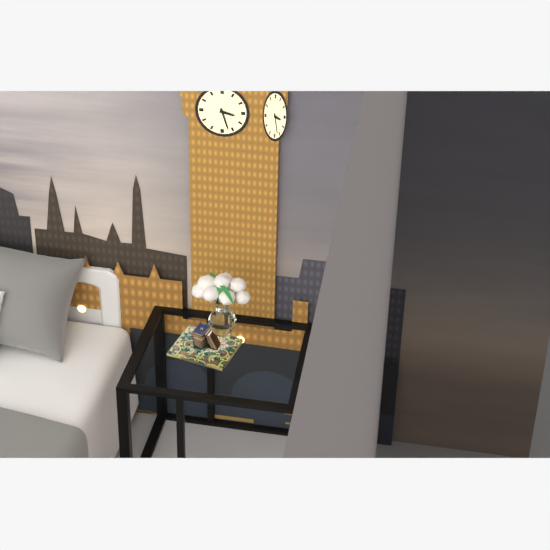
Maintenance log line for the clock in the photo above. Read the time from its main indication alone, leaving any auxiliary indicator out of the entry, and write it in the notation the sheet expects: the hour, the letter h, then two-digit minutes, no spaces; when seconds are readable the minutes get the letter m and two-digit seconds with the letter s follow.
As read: 3h27
